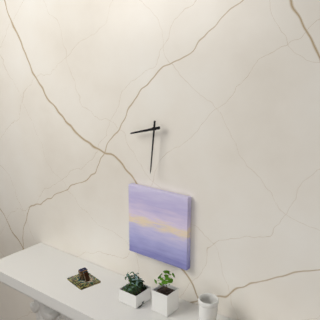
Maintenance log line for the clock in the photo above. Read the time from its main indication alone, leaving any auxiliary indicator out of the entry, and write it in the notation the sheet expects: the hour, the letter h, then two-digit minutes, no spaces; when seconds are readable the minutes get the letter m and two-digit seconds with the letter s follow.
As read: 8h31
